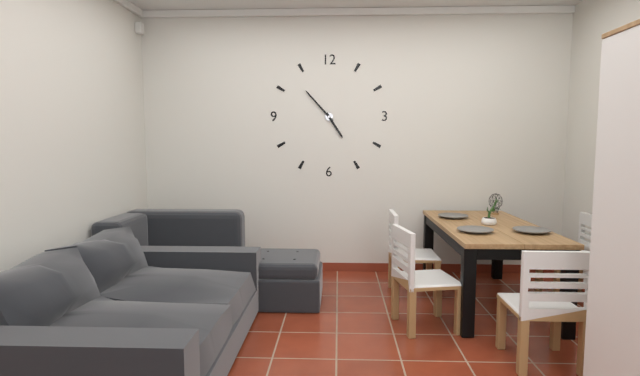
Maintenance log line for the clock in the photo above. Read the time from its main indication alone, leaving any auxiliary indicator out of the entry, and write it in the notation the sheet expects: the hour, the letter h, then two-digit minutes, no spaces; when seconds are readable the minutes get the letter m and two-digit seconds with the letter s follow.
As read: 4h53
